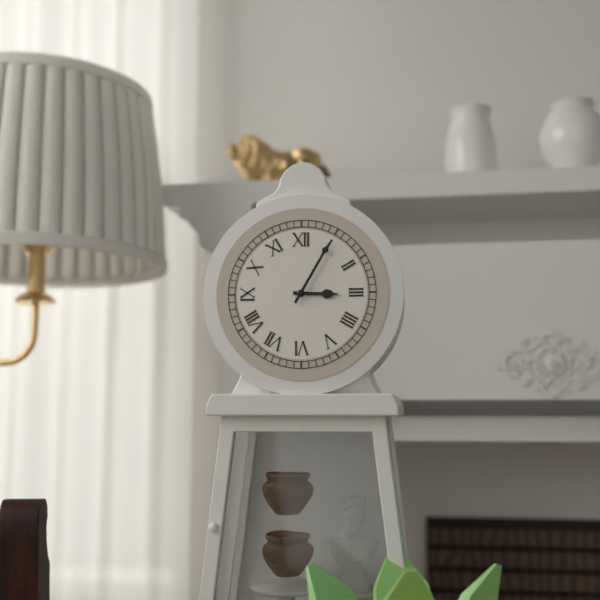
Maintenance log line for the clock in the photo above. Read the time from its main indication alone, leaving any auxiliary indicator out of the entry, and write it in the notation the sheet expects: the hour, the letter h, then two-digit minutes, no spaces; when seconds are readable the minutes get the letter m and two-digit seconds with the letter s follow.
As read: 3h05
